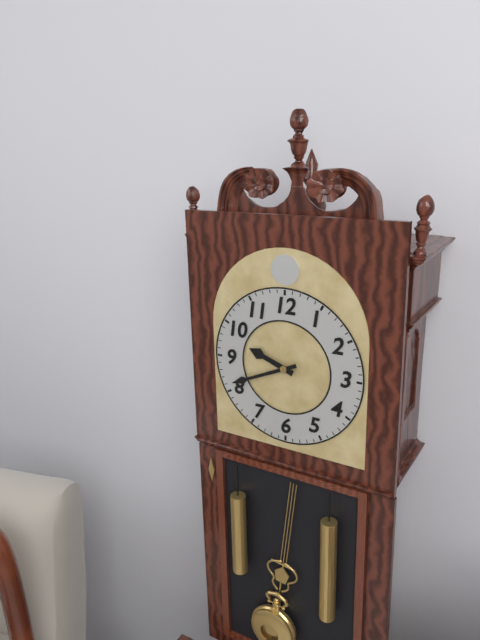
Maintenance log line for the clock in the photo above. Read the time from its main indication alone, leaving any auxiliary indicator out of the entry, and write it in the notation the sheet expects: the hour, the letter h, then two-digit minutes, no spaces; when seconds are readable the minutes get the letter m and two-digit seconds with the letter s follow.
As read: 9h41
